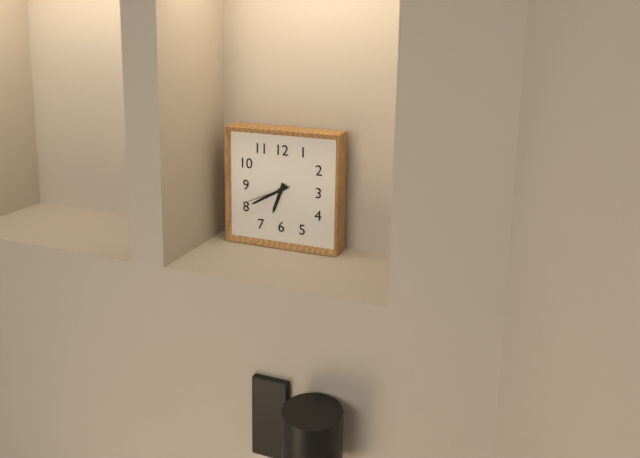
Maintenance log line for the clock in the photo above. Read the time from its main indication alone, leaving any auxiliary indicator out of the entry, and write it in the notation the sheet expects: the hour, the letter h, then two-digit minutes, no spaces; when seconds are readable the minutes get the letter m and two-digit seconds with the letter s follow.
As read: 6h40
